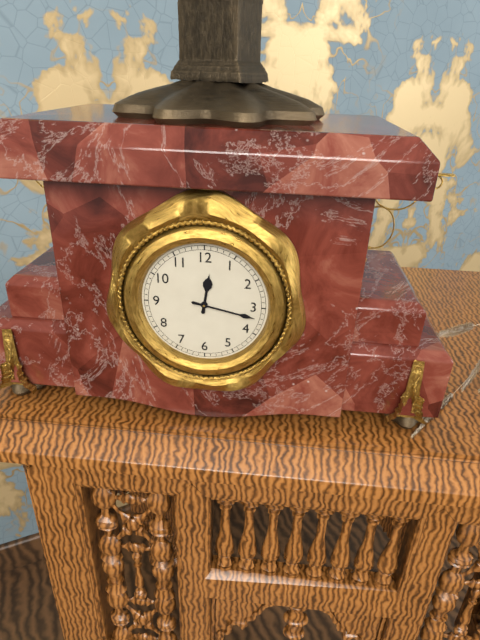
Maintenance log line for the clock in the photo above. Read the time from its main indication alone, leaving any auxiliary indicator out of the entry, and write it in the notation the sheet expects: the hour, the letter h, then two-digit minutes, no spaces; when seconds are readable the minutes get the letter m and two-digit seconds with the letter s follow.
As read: 12h17
